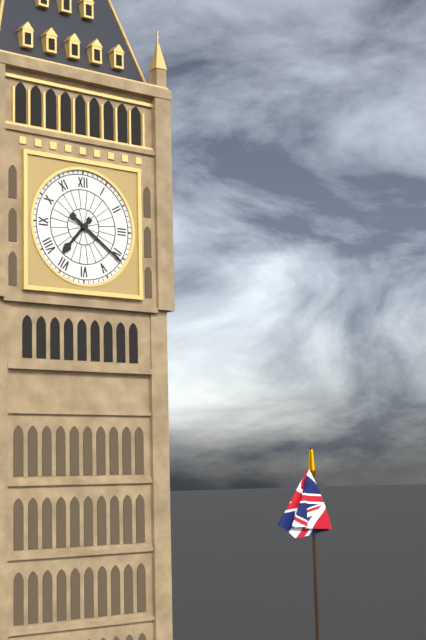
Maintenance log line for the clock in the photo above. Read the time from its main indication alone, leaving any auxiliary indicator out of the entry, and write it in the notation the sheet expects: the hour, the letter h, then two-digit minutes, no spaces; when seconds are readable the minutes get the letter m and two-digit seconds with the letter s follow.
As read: 7h21
